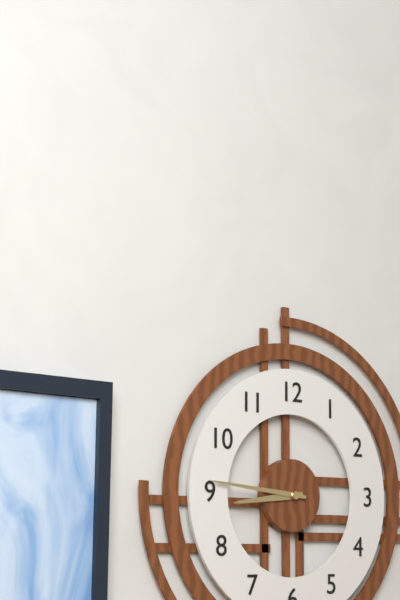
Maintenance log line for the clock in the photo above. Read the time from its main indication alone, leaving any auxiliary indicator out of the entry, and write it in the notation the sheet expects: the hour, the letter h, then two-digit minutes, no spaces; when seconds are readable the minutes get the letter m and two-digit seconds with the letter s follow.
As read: 8h46
